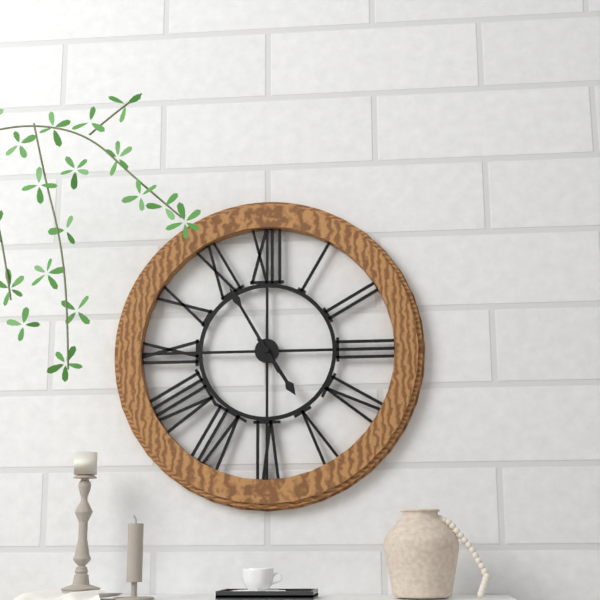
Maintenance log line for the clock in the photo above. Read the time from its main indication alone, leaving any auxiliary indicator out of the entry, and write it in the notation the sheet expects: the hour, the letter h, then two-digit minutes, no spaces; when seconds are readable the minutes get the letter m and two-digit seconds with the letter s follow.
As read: 4h55
